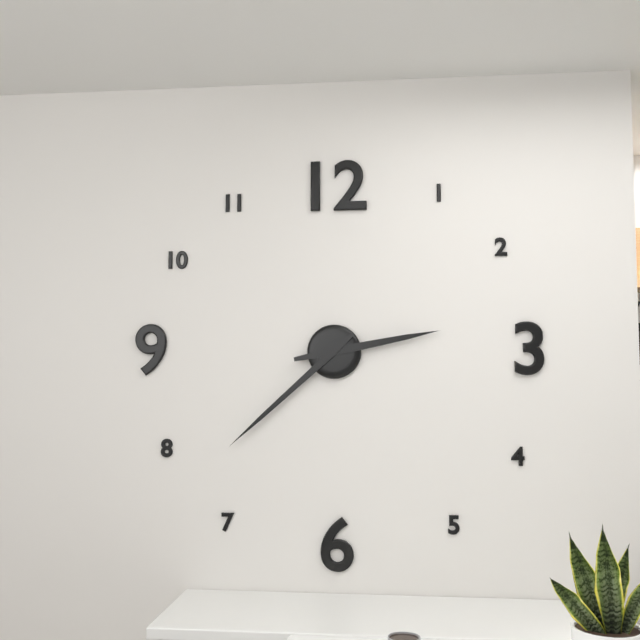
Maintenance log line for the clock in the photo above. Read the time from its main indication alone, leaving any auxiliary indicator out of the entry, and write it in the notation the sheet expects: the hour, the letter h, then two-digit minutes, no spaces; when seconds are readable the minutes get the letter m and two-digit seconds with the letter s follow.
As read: 2h38
